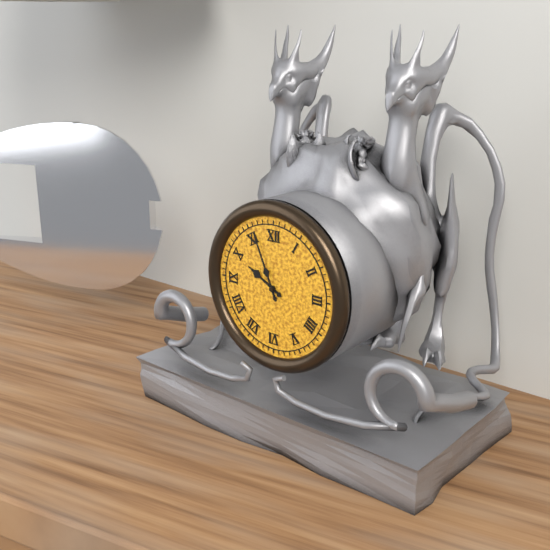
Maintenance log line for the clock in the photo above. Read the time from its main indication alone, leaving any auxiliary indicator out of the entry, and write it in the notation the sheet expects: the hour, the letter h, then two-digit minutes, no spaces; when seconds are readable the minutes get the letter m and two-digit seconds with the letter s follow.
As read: 9h56
